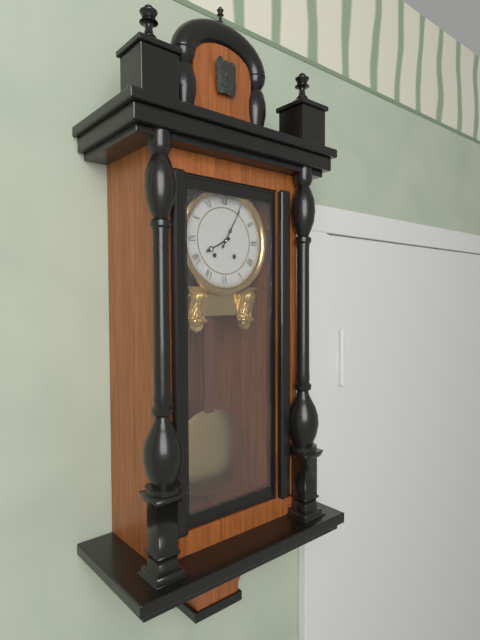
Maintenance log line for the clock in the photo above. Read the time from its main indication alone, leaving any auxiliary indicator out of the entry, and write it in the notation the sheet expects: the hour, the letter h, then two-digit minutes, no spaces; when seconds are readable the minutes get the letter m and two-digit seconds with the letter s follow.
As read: 8h05
